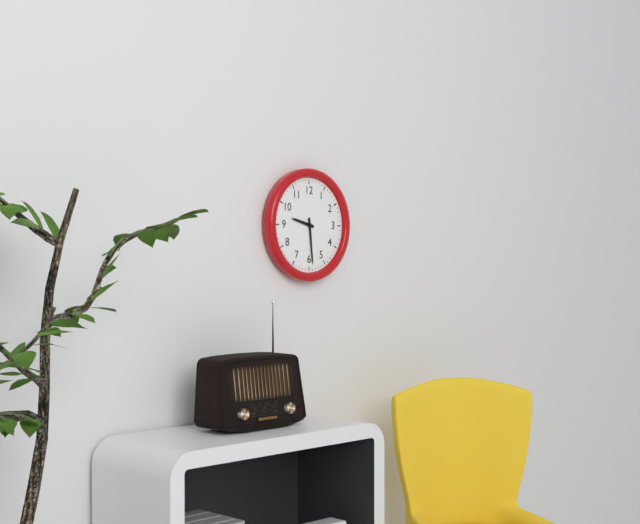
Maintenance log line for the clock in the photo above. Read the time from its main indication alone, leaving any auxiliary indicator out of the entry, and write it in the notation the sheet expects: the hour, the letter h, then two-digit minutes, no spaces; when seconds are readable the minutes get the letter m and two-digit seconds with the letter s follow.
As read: 9h29
